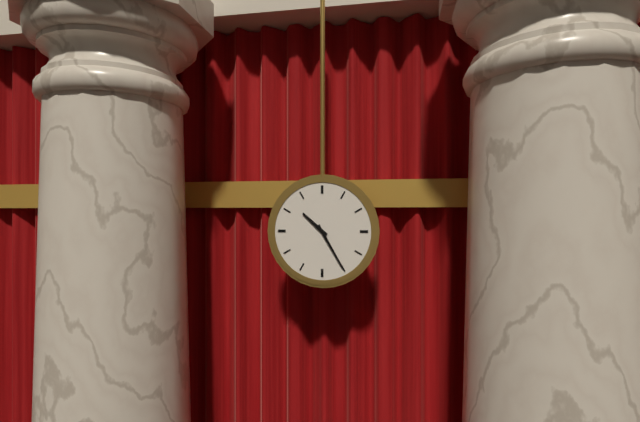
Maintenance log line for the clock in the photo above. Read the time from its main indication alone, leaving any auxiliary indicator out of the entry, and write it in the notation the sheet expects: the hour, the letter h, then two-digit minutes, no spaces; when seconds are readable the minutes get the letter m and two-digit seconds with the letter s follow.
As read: 10h25
